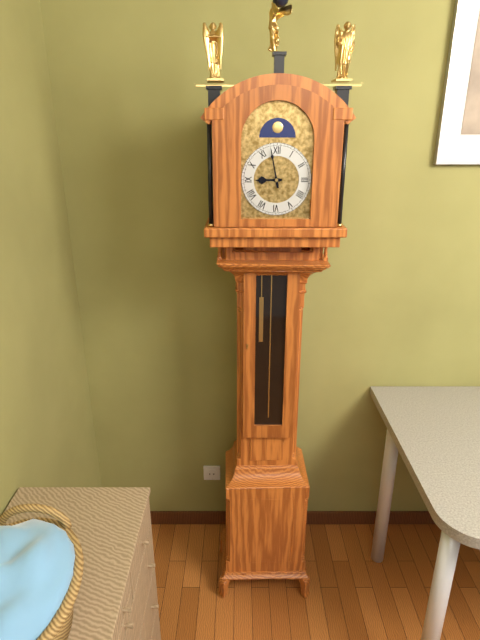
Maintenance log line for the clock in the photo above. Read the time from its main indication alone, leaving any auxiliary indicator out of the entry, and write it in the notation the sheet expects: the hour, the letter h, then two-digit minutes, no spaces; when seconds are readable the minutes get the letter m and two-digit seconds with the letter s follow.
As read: 8h58
